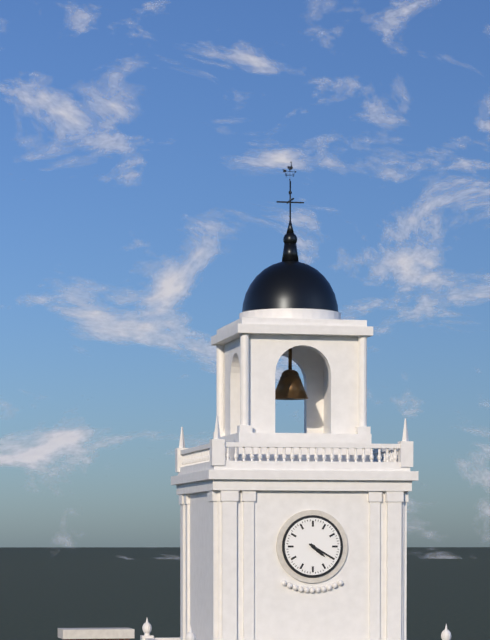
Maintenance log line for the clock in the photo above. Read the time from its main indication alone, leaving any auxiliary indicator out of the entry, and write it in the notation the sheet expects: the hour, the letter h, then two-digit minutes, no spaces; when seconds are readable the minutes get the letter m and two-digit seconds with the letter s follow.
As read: 4h20
